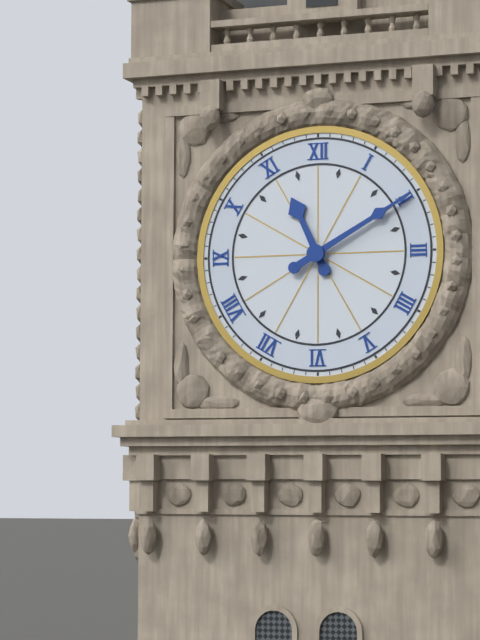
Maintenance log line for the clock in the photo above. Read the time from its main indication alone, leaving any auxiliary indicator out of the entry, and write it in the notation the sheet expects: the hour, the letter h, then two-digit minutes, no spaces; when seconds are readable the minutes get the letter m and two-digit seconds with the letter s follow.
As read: 11h10
